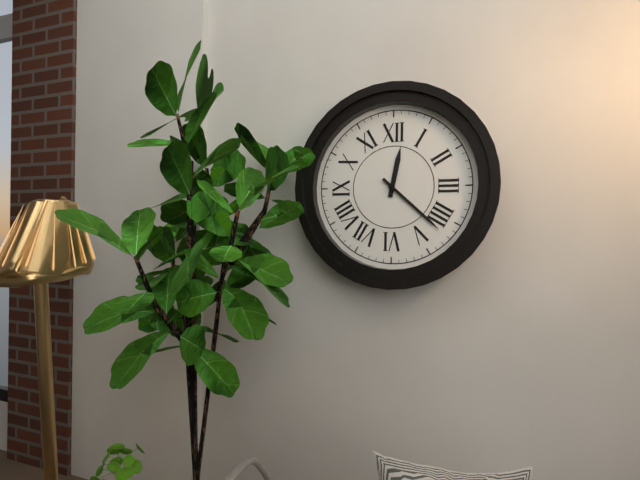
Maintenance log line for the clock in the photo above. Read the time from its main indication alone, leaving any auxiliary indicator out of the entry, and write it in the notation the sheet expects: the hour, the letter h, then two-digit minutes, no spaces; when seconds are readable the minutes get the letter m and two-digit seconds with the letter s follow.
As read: 12h22
